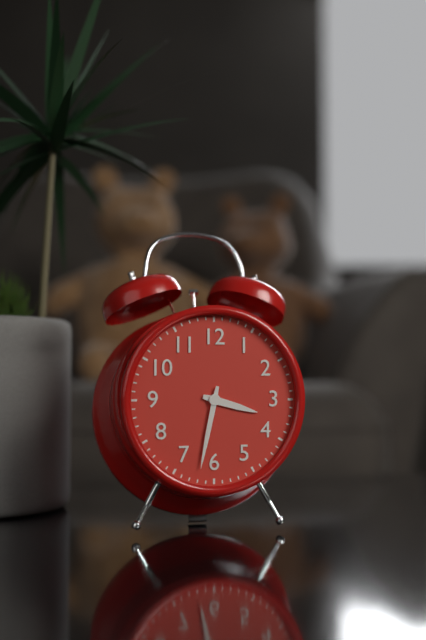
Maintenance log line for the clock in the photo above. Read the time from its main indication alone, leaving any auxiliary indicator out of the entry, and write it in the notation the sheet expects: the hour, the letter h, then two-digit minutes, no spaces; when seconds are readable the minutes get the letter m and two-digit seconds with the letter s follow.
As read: 3h32
